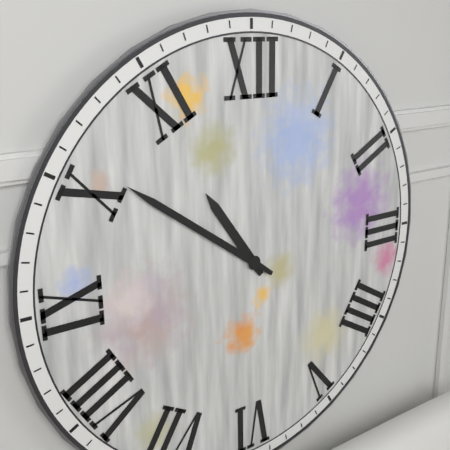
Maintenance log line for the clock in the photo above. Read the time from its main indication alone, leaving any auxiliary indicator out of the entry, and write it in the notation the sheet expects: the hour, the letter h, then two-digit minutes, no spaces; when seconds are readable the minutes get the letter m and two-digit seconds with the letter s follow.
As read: 10h51
